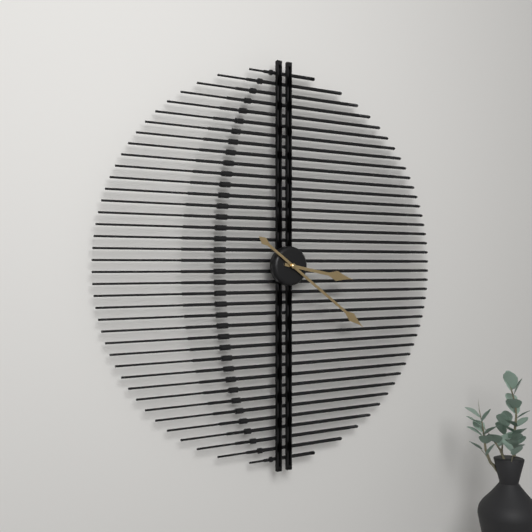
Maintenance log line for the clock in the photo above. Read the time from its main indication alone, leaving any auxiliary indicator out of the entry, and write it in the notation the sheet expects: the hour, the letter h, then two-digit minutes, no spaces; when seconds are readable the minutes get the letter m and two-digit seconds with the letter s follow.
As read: 3h21
